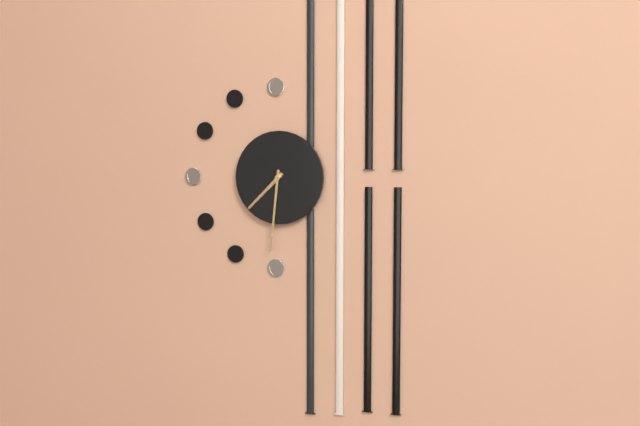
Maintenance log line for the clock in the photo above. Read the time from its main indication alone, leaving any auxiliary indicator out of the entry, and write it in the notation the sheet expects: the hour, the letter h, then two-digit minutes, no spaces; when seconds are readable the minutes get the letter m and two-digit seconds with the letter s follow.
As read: 7h31
